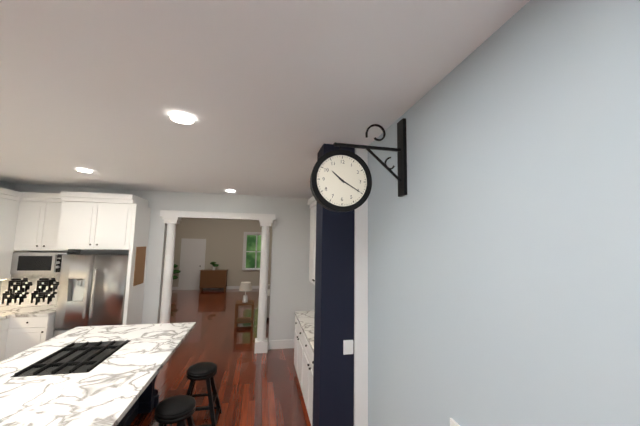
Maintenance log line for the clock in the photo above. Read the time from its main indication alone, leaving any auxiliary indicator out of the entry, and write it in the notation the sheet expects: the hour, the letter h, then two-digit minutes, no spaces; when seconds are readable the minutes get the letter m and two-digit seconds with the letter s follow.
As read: 10h20
